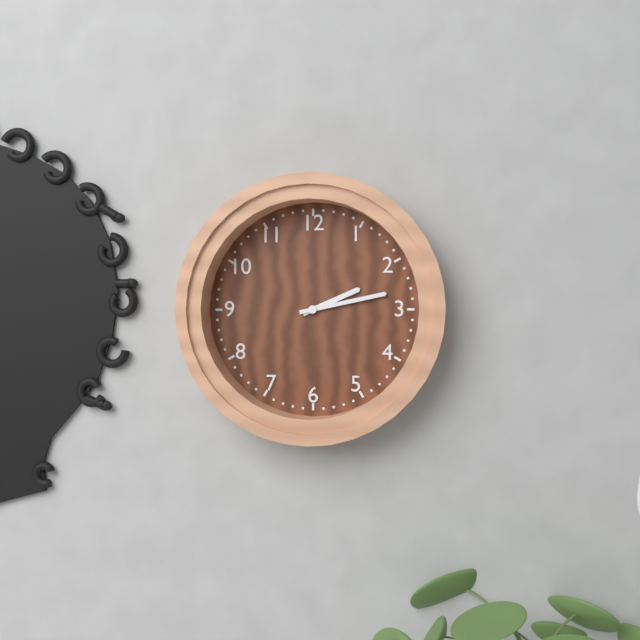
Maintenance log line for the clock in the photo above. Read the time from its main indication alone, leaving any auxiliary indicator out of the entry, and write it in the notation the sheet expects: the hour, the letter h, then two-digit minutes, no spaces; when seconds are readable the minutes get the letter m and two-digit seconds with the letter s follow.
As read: 2h13
